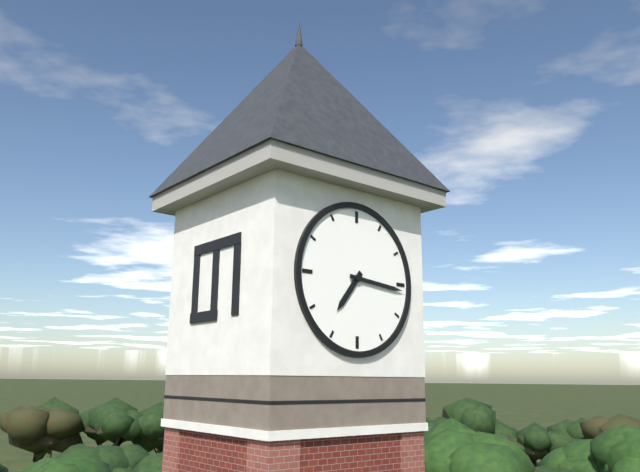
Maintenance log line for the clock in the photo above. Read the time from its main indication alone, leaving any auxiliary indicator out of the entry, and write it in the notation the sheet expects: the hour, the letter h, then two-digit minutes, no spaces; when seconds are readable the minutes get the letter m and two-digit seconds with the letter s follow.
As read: 7h16
